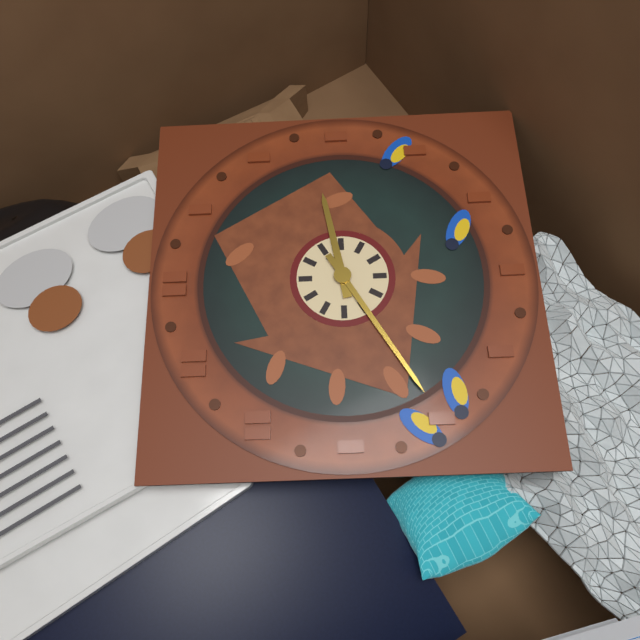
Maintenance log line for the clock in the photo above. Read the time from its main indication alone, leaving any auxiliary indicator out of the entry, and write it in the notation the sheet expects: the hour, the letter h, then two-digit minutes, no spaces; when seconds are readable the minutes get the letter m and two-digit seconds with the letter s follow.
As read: 2h40
